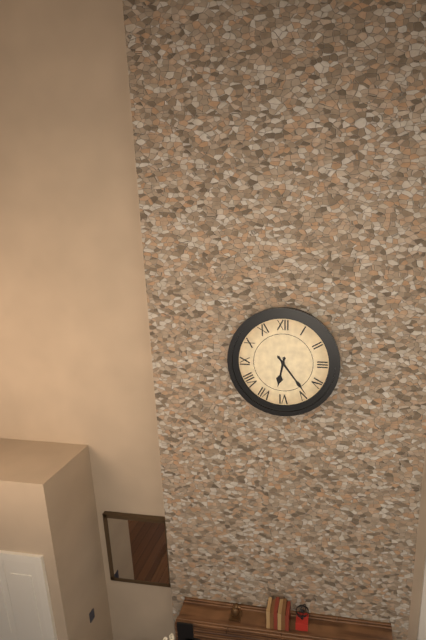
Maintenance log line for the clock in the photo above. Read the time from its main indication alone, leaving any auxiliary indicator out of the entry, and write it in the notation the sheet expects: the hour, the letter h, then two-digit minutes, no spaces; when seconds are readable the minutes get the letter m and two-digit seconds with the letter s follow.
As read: 6h24
